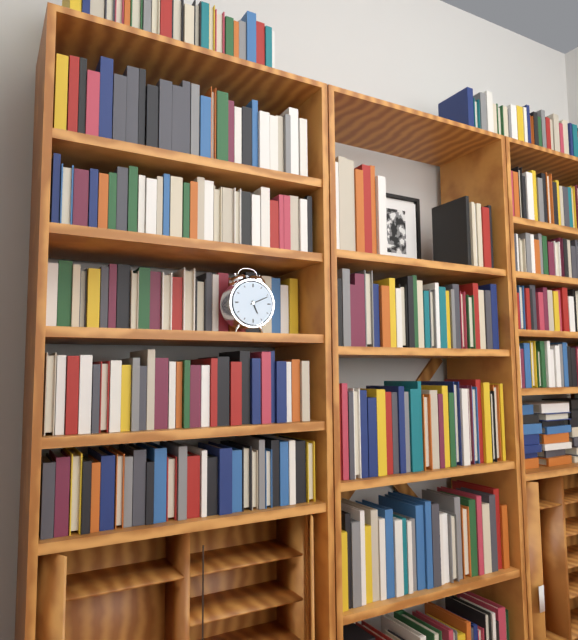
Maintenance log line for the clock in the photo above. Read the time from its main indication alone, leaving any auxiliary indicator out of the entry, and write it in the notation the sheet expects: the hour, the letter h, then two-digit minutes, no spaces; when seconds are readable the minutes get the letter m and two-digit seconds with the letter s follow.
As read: 5h11
